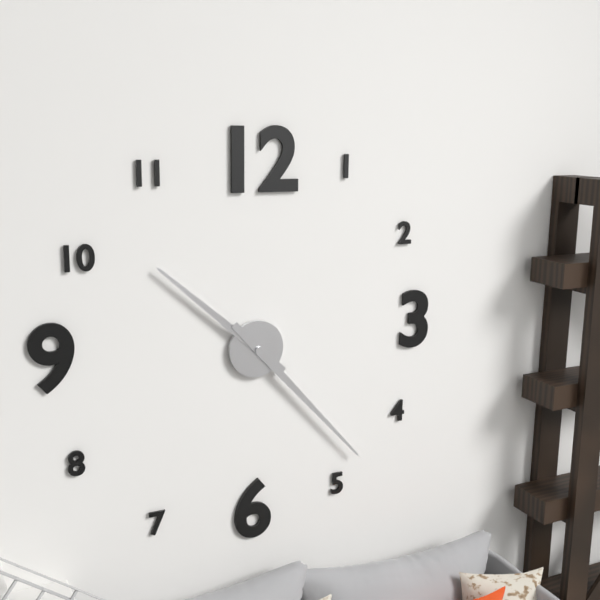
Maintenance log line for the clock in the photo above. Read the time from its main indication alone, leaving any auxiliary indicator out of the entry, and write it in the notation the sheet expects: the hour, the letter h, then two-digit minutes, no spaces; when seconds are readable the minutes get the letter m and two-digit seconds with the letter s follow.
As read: 10h23
